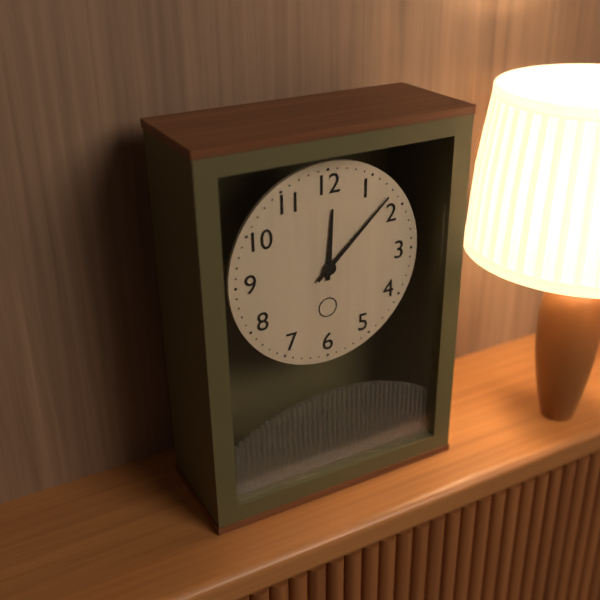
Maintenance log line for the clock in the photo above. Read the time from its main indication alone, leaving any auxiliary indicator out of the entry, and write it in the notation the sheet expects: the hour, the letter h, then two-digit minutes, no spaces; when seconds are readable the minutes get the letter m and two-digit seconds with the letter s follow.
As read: 12h08
